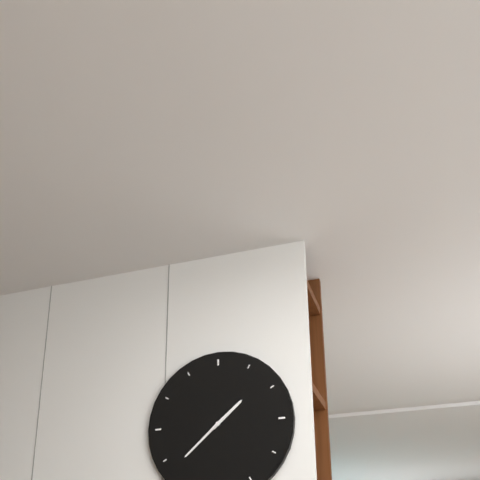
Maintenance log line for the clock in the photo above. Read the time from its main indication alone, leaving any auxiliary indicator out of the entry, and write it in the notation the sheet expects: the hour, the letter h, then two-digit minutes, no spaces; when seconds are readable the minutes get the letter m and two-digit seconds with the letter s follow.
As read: 1h38
